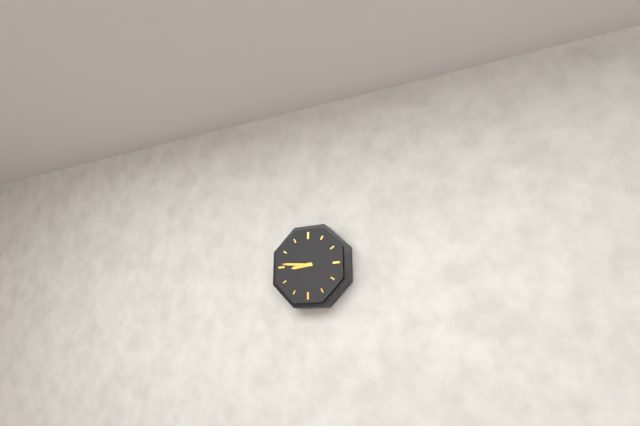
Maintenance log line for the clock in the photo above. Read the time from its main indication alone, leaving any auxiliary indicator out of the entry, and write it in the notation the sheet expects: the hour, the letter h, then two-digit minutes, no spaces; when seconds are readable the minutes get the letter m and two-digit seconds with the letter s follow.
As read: 8h46
